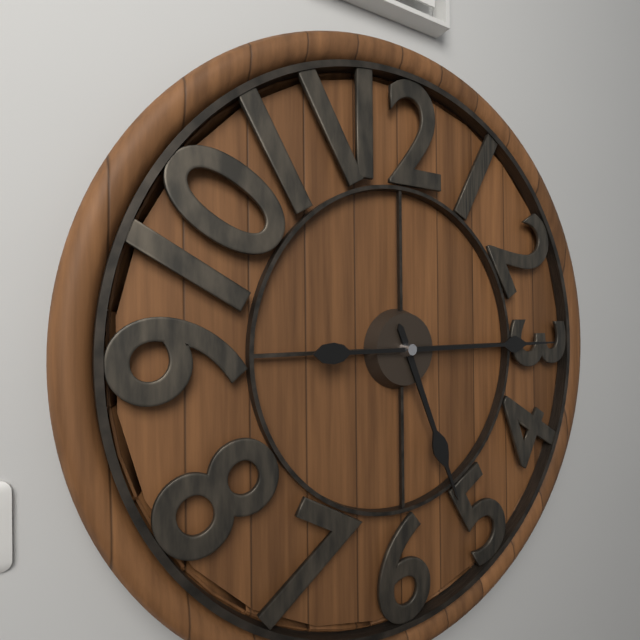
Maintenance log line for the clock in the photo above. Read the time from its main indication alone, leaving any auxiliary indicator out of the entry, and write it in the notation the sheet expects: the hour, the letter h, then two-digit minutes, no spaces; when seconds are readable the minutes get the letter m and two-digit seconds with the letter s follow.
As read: 5h15
